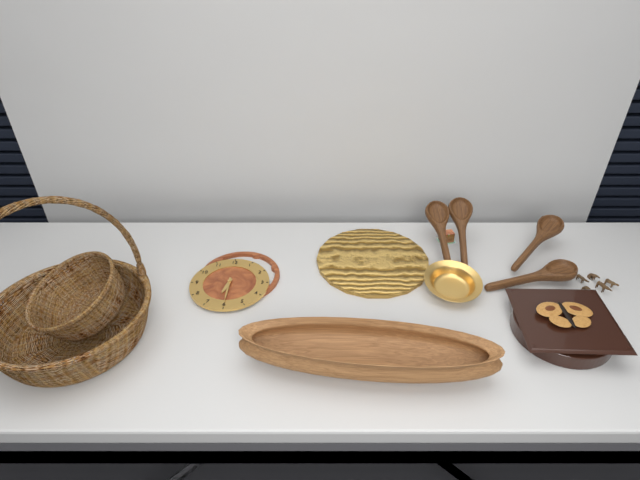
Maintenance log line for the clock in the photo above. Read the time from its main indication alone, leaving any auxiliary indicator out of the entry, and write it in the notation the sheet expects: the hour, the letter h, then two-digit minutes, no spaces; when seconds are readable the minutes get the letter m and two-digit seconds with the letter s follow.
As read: 6h30
